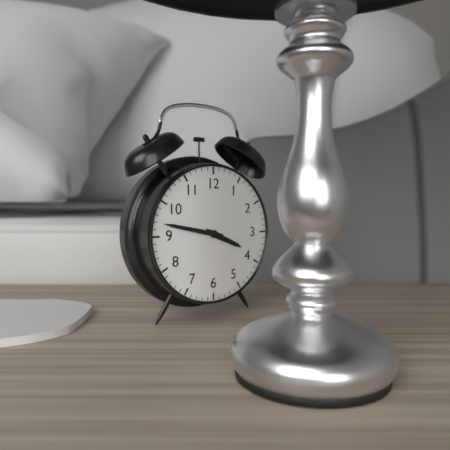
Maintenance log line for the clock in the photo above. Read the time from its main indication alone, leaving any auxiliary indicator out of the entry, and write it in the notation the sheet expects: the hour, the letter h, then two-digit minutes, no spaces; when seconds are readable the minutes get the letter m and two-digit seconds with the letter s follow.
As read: 3h47
